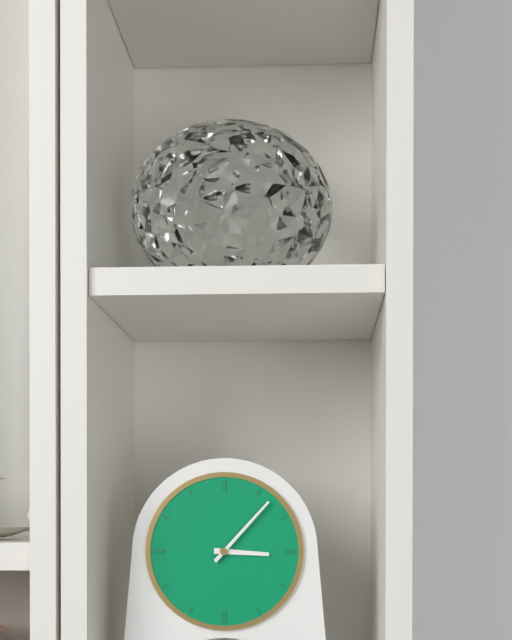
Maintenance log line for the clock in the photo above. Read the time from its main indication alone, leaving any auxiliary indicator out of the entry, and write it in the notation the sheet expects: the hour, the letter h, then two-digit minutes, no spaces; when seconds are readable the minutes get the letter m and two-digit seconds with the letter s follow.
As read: 3h07
